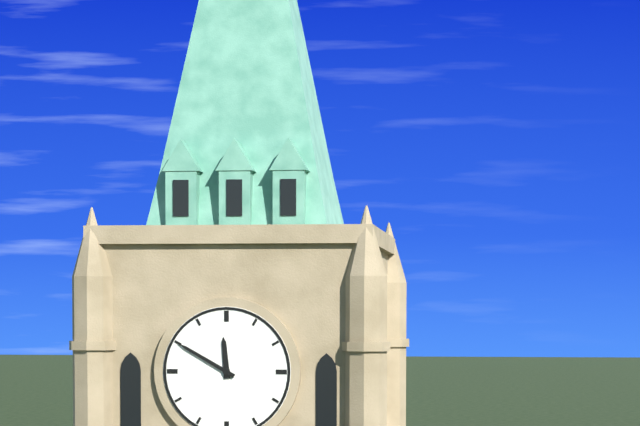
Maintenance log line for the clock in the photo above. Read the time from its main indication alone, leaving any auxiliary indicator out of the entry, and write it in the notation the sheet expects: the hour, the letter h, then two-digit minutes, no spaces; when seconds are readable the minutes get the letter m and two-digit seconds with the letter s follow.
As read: 11h50
